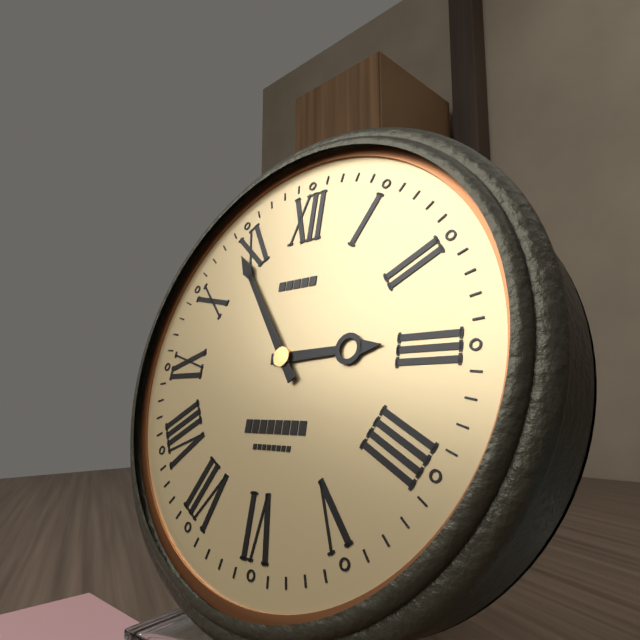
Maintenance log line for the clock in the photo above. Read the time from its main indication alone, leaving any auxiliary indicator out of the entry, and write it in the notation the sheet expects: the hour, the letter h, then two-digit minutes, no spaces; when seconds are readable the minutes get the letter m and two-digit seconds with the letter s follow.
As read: 2h54
